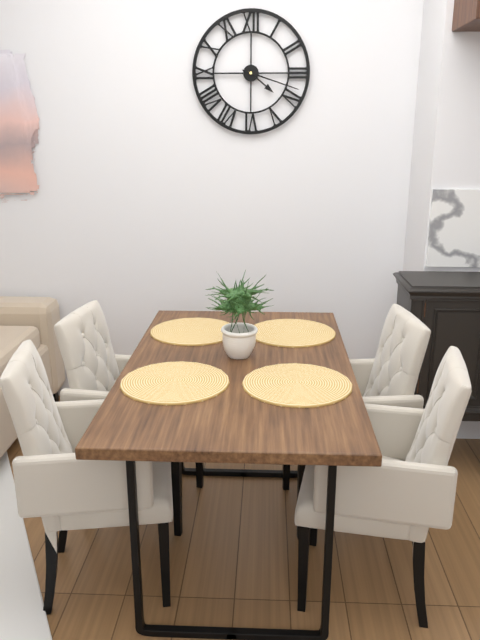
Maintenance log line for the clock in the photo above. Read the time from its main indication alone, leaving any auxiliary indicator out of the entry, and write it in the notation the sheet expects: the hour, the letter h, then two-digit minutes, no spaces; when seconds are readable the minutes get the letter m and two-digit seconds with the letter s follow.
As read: 4h18
